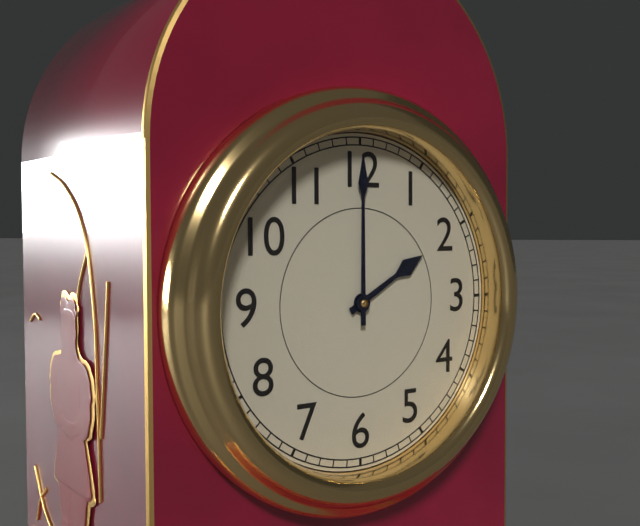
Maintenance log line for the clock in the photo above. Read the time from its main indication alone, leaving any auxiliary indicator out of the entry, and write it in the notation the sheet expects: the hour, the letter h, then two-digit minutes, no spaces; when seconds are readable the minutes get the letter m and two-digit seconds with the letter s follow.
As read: 2h00
